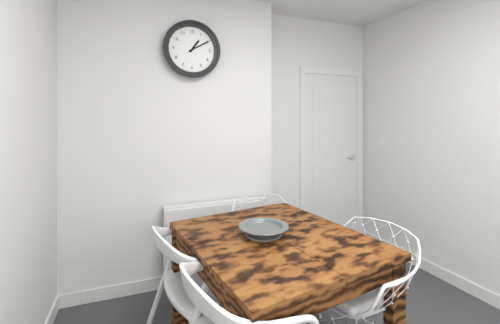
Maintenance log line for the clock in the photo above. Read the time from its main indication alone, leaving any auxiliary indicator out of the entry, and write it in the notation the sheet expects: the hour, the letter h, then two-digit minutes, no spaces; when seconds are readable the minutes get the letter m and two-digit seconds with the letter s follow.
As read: 1h10
